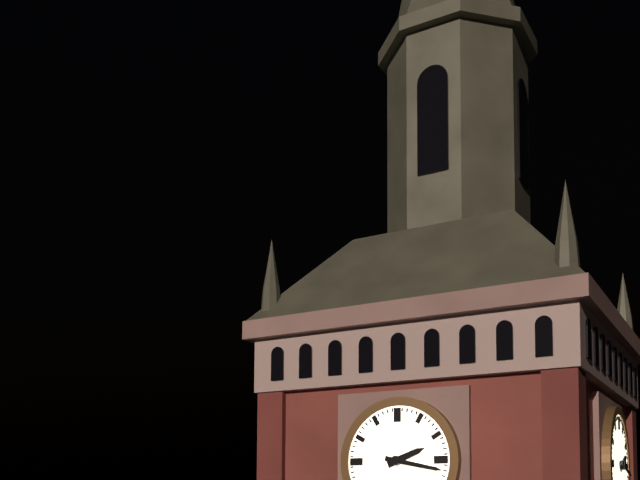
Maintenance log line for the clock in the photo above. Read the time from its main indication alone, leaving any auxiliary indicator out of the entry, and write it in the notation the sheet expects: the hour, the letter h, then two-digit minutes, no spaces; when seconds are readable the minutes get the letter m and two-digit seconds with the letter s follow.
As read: 2h17
